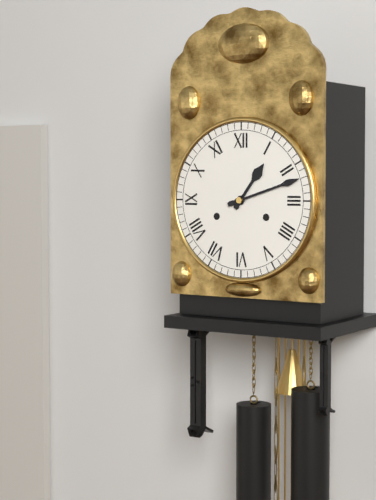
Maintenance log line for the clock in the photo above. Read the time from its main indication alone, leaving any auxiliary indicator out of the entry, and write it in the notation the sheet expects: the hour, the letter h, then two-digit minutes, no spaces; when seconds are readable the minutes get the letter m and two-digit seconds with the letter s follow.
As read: 1h12
